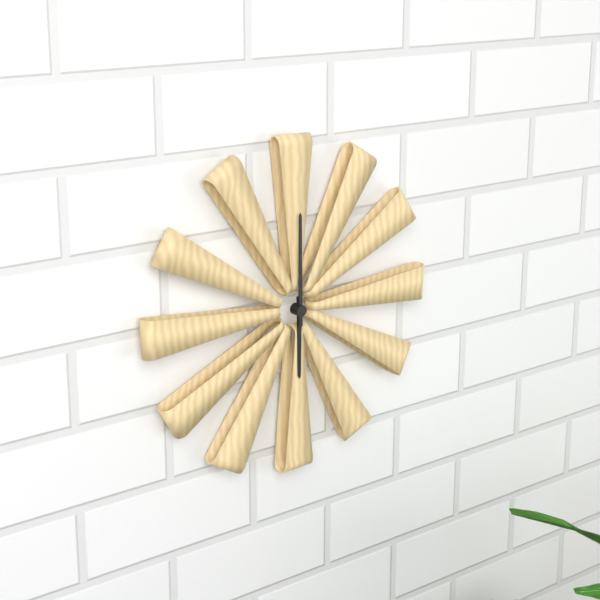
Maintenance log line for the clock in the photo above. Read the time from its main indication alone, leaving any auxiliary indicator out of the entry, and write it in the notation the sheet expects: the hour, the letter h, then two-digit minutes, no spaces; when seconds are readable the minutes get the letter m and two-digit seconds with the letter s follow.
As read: 6h00
